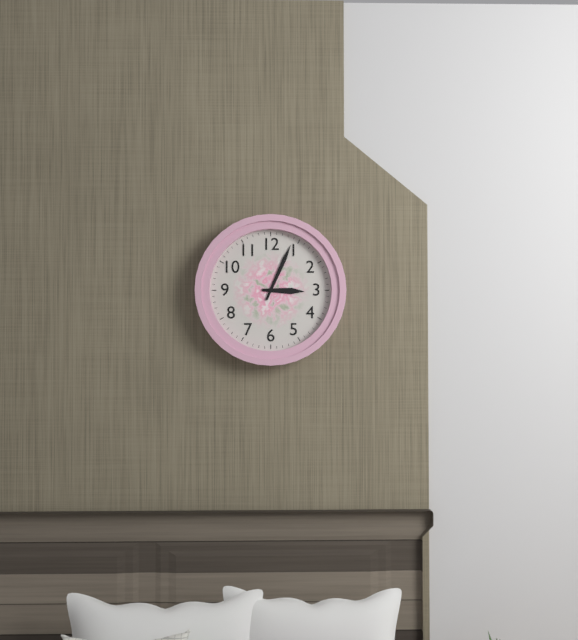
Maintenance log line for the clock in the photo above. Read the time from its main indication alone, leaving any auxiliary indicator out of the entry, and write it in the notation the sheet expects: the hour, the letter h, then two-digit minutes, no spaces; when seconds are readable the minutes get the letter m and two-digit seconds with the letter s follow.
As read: 3h04
